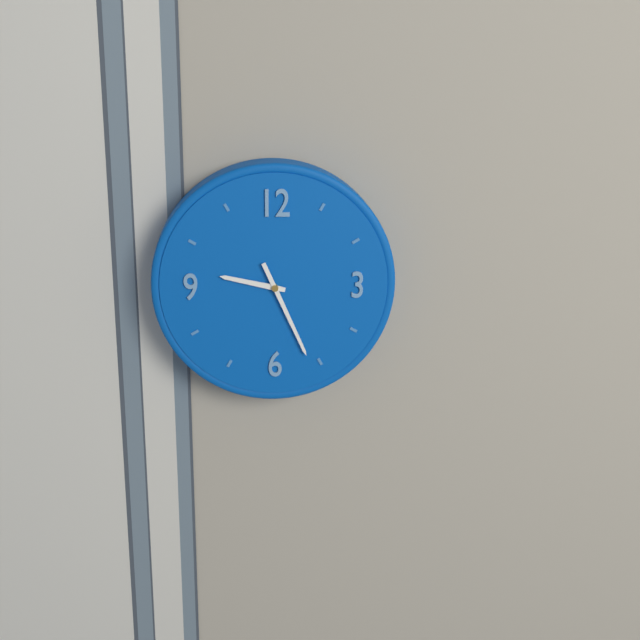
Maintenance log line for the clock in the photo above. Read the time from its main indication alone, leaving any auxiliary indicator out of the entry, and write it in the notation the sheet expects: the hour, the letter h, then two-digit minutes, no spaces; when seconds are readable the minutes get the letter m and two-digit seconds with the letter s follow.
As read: 9h26
